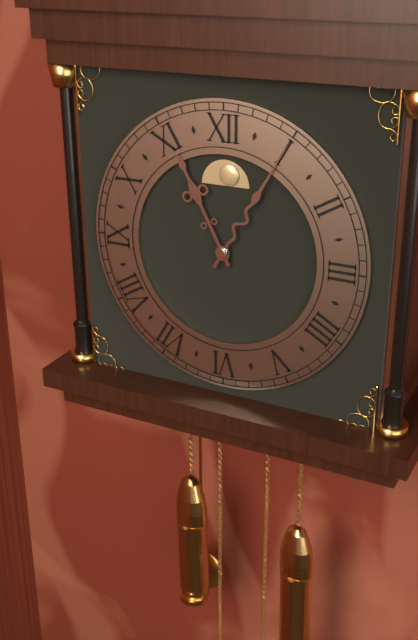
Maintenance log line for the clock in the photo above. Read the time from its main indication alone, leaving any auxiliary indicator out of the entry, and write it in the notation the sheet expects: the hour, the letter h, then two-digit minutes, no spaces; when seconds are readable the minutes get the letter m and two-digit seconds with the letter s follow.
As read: 11h05
